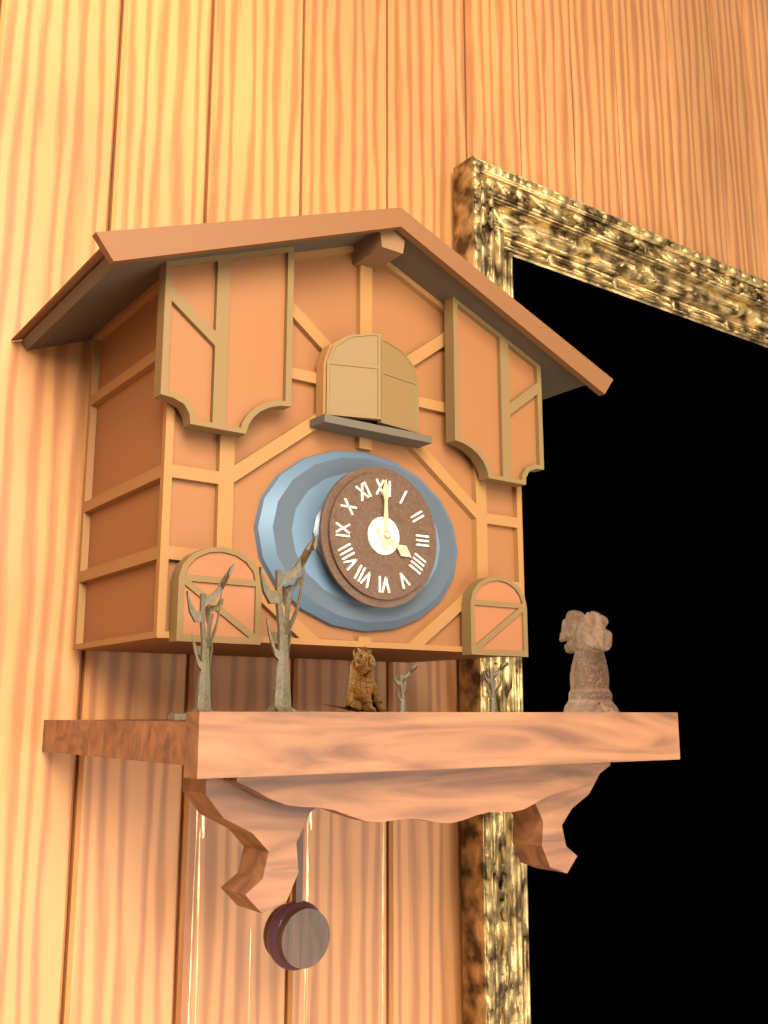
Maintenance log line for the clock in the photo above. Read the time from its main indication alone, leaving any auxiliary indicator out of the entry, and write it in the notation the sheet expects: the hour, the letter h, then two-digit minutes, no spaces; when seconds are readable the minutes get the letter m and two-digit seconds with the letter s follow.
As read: 4h00
